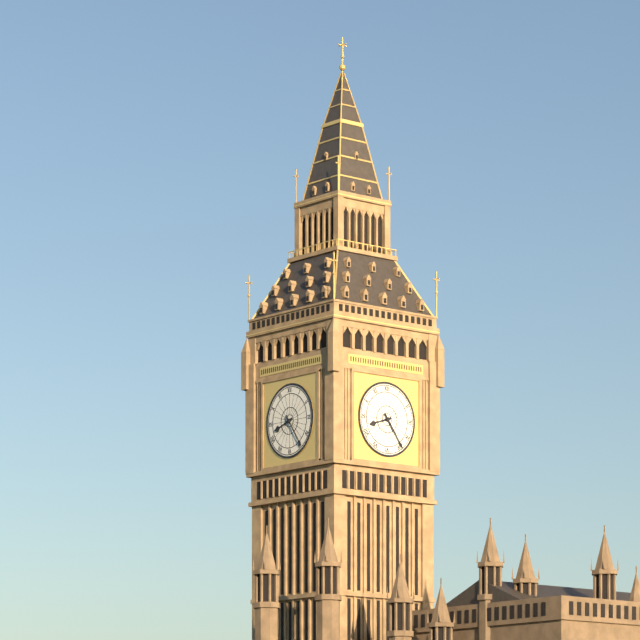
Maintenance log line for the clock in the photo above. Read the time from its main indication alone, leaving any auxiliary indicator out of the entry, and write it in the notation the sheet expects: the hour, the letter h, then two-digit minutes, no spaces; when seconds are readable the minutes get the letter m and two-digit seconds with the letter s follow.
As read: 8h24
